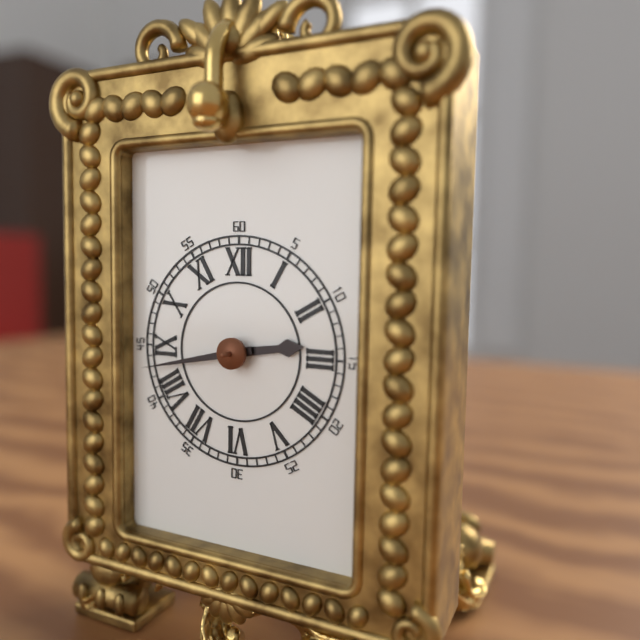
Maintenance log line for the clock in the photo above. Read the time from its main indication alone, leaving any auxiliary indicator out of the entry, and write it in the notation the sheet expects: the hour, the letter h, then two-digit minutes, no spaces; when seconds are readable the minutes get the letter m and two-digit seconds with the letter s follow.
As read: 2h43
